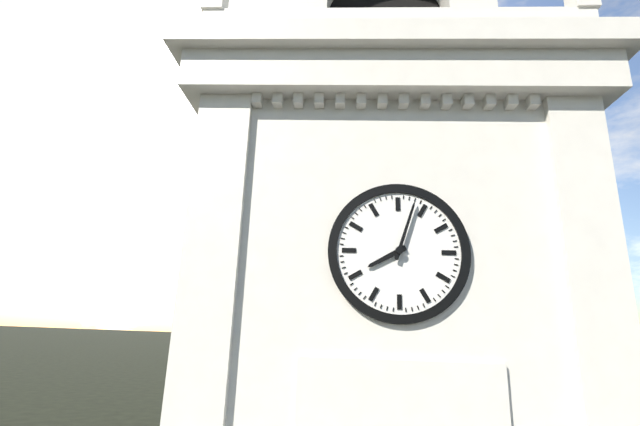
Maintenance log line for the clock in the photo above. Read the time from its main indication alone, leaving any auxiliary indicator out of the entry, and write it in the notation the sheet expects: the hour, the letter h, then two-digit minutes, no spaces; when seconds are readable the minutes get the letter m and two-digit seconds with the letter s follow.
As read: 8h03
